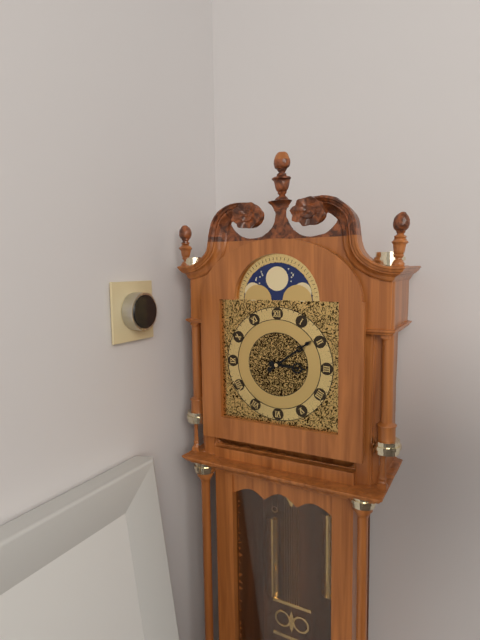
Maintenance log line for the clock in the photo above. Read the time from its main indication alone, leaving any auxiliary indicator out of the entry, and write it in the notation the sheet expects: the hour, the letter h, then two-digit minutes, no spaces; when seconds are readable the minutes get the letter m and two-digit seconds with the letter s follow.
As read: 3h09
